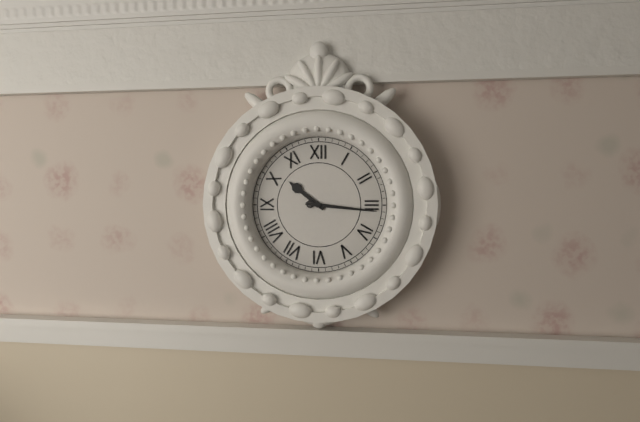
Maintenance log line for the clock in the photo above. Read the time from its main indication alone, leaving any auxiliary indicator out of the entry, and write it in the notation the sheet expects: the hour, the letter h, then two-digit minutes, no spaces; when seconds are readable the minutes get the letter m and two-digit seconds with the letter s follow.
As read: 10h16
